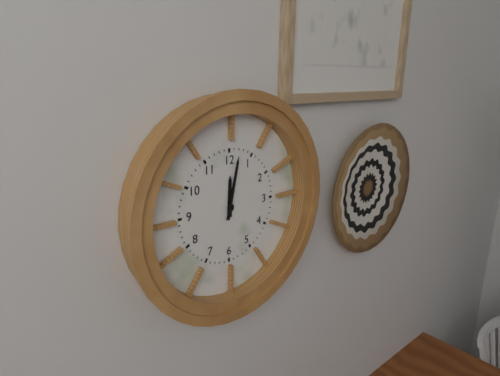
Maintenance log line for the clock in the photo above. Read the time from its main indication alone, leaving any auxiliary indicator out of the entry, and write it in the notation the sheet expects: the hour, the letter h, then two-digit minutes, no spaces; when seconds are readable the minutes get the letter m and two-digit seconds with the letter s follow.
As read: 12h02
